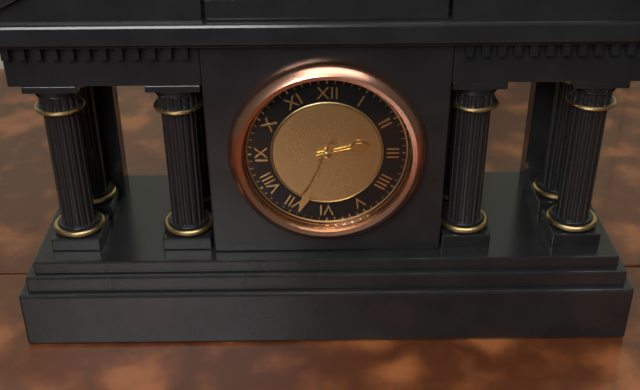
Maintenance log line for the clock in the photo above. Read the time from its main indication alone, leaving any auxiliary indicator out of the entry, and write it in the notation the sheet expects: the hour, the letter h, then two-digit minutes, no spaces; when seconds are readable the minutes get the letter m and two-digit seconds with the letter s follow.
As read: 2h34
